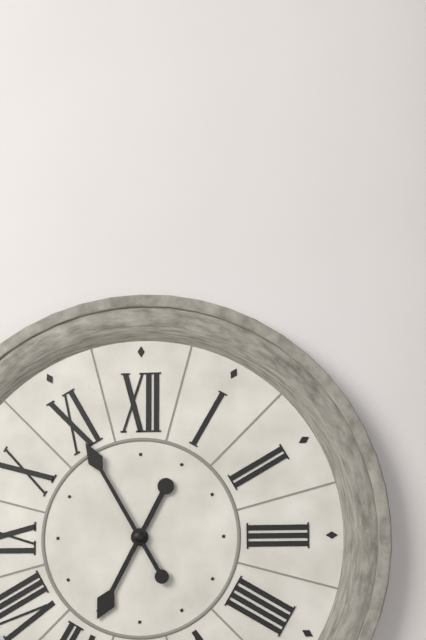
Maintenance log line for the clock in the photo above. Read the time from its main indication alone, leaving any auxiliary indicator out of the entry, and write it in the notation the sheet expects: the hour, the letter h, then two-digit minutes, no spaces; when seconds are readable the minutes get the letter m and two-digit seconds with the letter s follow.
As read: 6h55
